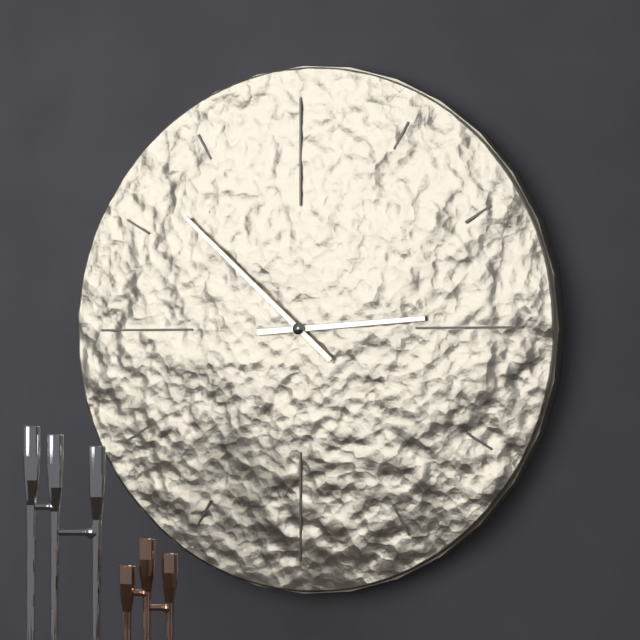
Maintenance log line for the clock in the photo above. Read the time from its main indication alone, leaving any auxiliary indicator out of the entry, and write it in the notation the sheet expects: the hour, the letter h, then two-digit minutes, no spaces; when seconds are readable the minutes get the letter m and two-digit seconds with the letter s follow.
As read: 2h52
